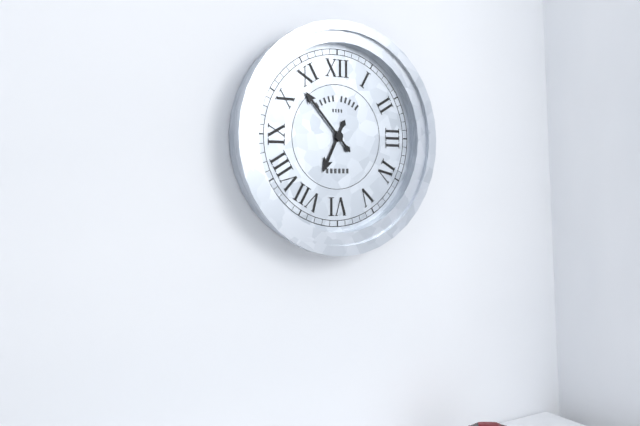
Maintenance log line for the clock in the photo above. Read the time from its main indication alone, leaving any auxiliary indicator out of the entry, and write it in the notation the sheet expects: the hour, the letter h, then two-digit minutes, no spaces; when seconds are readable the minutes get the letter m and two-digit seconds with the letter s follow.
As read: 6h53
